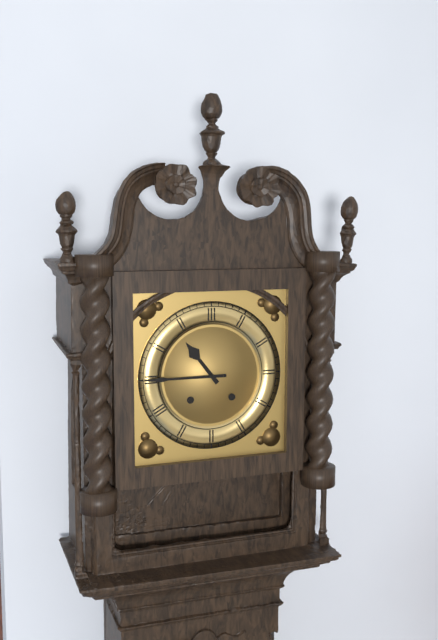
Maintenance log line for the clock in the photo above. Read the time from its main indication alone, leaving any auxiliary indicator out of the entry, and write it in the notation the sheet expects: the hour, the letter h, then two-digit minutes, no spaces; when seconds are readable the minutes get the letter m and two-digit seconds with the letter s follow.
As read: 10h45
